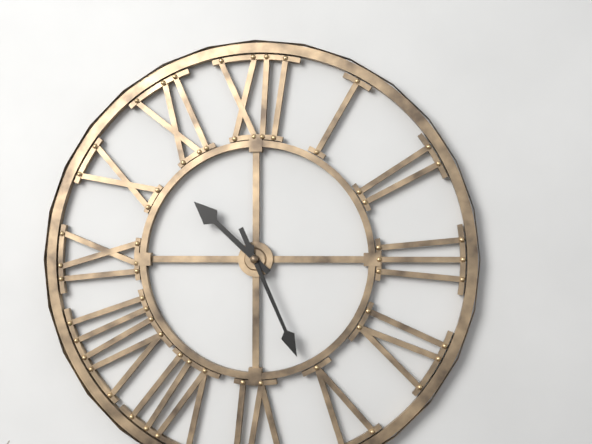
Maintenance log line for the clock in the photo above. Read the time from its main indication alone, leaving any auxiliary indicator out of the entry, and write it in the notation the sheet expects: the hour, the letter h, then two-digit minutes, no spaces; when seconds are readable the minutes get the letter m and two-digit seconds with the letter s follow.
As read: 10h26
